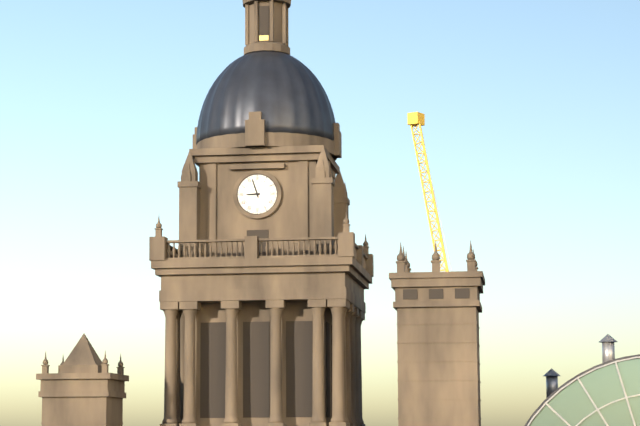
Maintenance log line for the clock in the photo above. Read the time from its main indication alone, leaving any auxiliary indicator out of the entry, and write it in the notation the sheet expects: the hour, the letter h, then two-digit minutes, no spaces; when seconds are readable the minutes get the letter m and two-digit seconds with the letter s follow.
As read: 8h57
